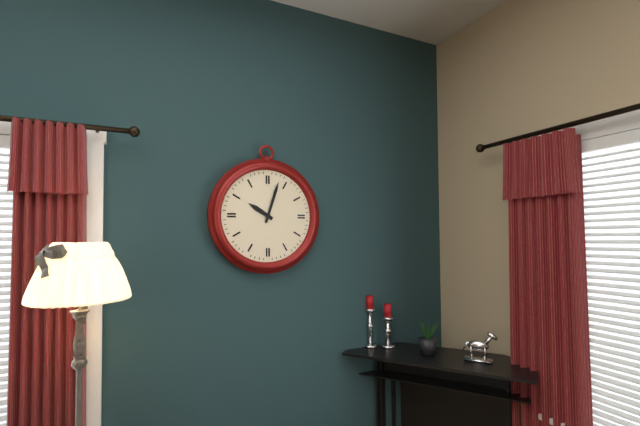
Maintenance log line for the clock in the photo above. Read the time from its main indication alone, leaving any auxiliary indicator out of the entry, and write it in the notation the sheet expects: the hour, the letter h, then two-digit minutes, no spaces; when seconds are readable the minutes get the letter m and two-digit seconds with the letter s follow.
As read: 10h03
